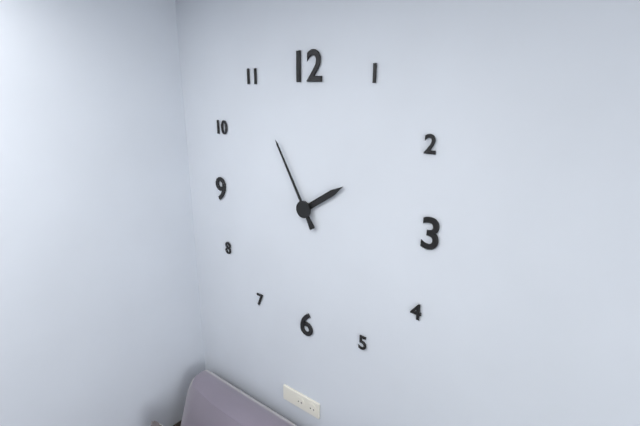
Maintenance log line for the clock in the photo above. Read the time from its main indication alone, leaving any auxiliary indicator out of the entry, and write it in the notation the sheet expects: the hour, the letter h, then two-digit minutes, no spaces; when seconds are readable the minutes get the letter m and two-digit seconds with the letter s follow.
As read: 1h55
